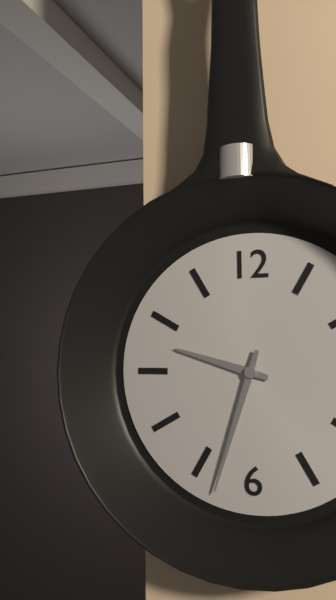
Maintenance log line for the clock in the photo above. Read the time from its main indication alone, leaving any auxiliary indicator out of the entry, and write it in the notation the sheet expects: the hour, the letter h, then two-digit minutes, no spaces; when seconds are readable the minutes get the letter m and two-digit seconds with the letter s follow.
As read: 9h33
